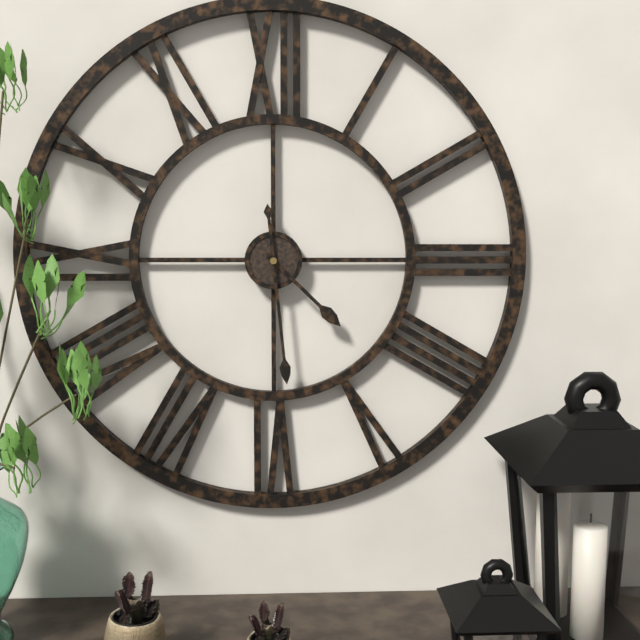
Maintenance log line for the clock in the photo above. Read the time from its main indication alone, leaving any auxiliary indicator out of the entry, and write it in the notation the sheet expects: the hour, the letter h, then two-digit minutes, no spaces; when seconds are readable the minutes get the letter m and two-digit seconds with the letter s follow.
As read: 4h29
